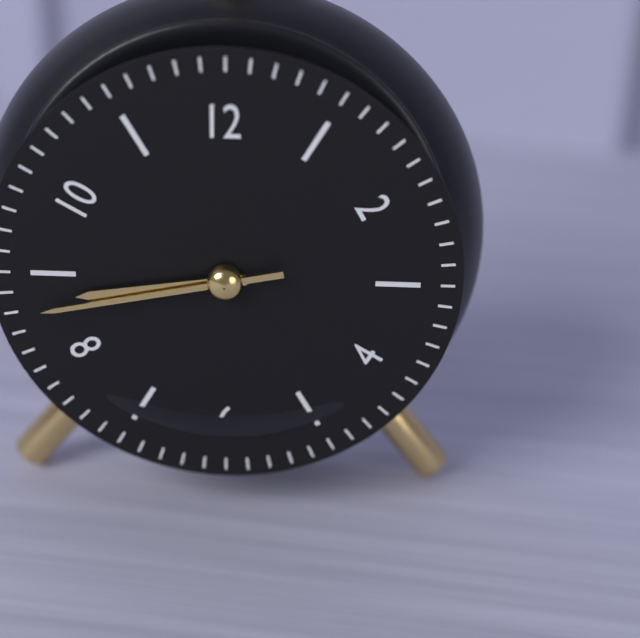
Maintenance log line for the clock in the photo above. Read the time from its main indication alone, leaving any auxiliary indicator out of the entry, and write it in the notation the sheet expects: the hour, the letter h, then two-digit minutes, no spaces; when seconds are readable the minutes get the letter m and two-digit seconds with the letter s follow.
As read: 8h43
